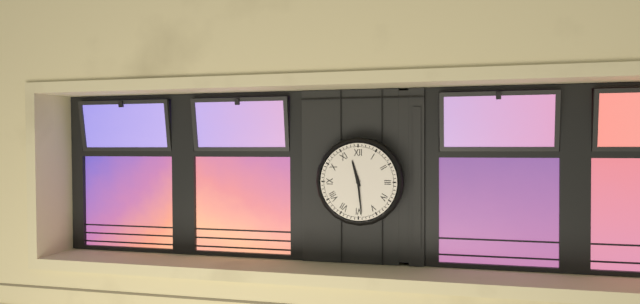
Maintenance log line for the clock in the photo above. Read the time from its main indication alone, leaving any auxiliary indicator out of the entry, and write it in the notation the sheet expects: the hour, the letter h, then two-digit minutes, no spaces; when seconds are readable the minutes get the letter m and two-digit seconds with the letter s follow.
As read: 11h29
